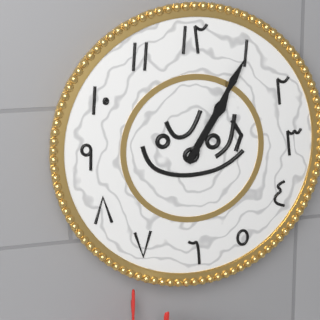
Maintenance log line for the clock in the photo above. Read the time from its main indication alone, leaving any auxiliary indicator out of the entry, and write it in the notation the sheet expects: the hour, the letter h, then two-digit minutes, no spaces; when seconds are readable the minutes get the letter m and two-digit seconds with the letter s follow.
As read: 1h05
